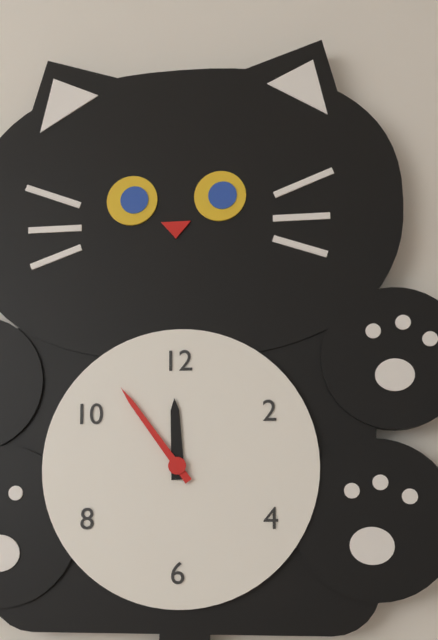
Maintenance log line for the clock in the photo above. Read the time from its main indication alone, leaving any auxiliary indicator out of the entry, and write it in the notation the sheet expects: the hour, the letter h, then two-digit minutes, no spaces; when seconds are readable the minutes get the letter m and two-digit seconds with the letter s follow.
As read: 11h54
